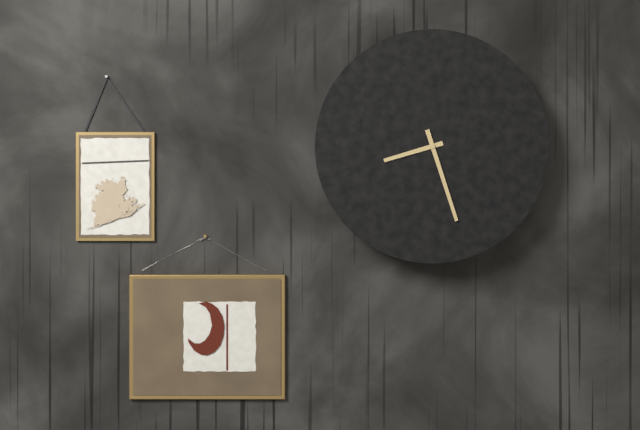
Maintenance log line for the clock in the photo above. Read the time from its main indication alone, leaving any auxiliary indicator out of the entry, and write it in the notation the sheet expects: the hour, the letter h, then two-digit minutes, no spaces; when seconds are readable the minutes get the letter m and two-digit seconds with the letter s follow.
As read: 8h27
